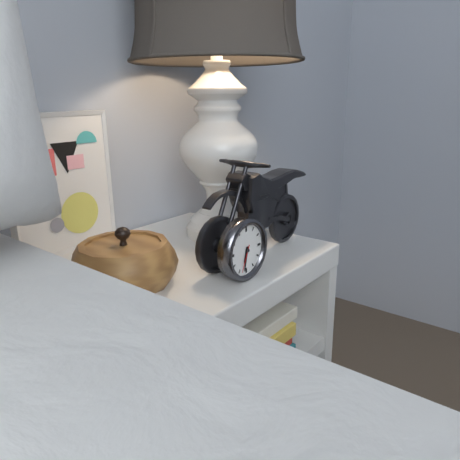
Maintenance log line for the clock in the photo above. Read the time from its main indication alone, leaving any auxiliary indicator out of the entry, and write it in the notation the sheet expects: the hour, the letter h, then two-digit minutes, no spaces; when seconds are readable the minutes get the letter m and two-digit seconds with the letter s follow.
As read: 6h32
